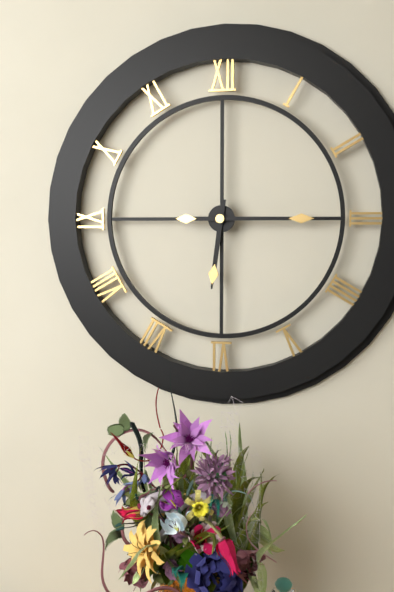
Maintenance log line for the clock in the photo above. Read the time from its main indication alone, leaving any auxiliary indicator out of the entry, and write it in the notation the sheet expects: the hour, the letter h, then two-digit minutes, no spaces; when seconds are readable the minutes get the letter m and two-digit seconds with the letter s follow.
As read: 6h15
